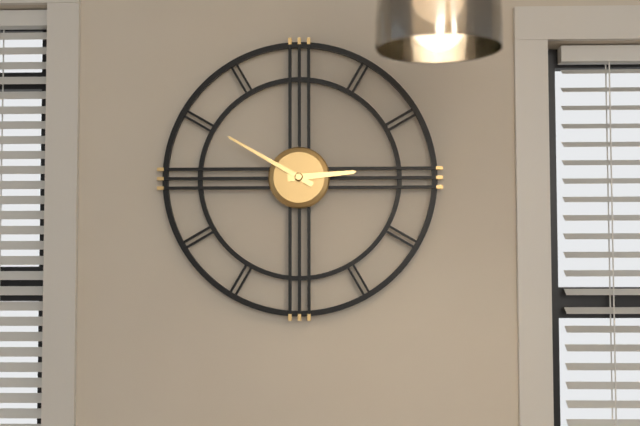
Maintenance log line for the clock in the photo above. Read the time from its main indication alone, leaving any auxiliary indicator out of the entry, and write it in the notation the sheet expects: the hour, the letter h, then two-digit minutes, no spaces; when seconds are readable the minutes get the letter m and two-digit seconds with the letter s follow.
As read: 2h50
